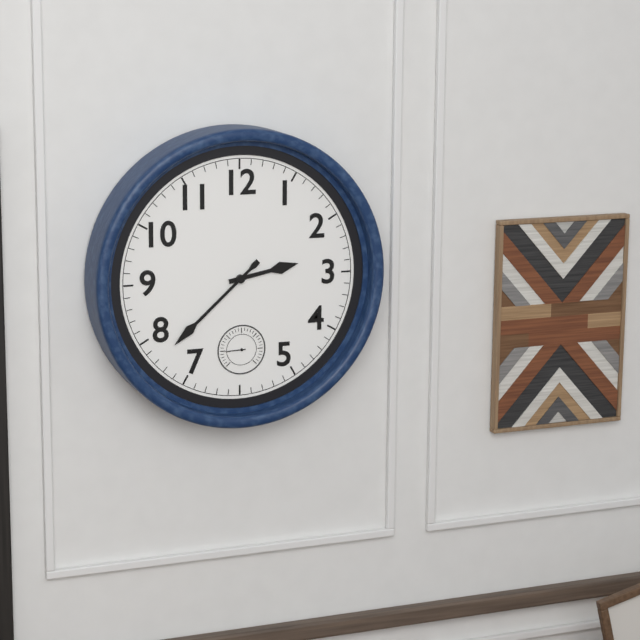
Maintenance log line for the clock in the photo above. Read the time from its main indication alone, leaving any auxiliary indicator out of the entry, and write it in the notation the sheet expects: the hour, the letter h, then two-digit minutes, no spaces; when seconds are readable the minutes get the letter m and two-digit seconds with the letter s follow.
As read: 2h38
